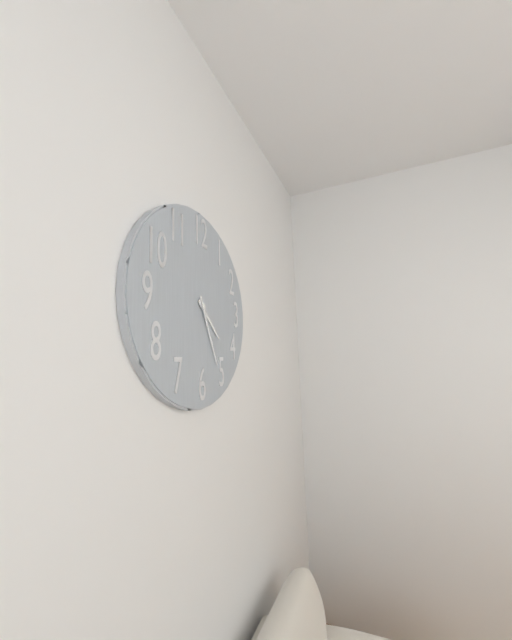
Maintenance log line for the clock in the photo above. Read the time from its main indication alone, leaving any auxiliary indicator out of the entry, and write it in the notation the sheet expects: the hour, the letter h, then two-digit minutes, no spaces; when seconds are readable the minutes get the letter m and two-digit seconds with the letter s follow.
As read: 4h26
